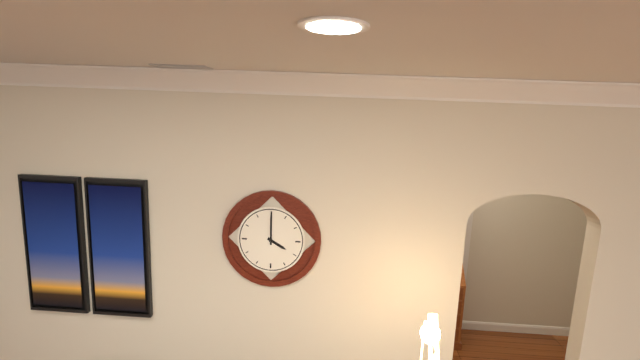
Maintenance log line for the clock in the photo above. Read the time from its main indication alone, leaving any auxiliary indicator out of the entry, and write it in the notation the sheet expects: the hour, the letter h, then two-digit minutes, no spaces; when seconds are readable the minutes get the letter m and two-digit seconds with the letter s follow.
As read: 4h00
